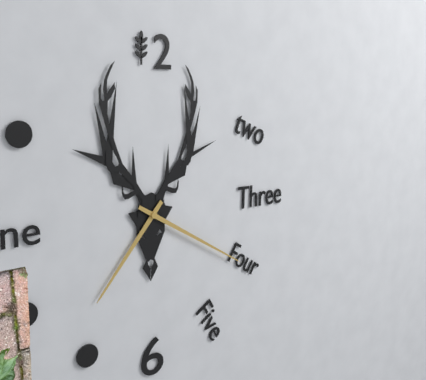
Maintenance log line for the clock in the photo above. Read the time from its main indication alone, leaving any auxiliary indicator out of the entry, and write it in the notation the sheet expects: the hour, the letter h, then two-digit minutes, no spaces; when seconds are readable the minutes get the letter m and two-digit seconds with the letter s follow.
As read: 7h20
